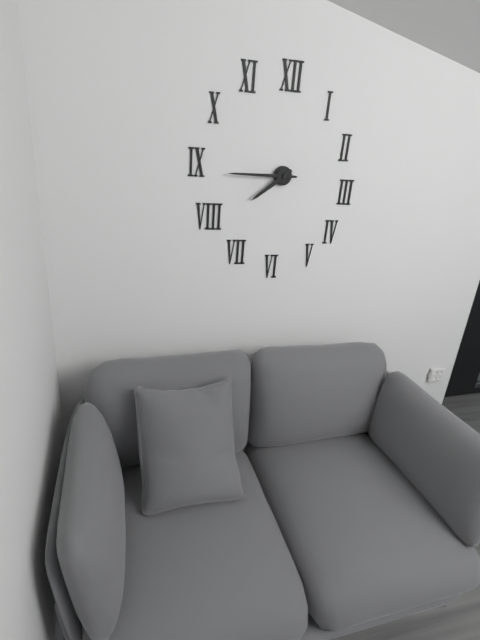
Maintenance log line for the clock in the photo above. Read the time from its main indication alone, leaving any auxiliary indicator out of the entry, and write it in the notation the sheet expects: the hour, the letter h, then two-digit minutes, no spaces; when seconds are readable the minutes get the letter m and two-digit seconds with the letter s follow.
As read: 7h45
